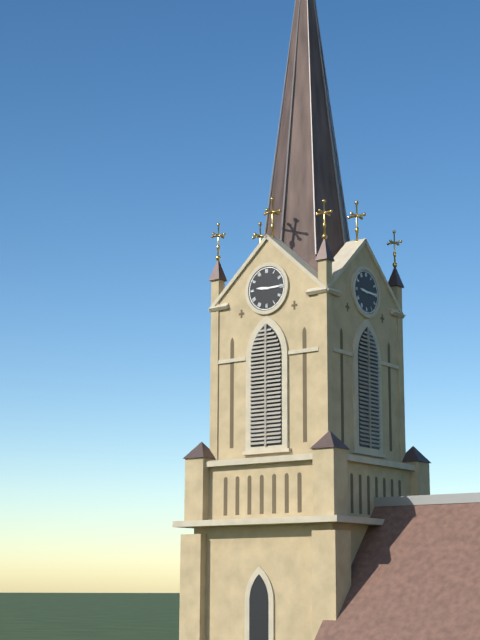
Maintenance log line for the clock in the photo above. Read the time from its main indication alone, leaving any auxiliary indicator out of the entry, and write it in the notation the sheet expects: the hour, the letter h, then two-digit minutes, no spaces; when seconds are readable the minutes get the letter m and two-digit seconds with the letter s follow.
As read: 9h15
